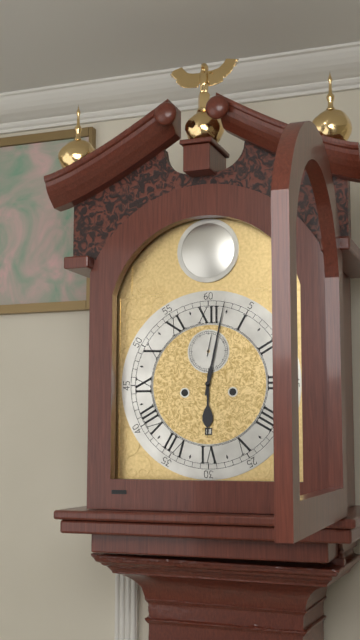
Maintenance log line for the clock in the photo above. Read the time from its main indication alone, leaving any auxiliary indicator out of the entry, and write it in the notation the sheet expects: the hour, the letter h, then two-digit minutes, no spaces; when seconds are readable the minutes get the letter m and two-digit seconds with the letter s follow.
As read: 6h02
